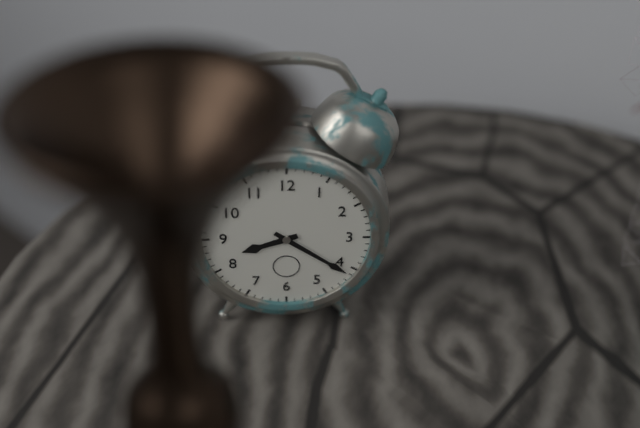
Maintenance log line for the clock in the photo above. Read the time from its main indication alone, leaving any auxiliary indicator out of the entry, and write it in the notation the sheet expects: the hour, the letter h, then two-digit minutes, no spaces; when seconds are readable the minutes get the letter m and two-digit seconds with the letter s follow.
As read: 8h21
